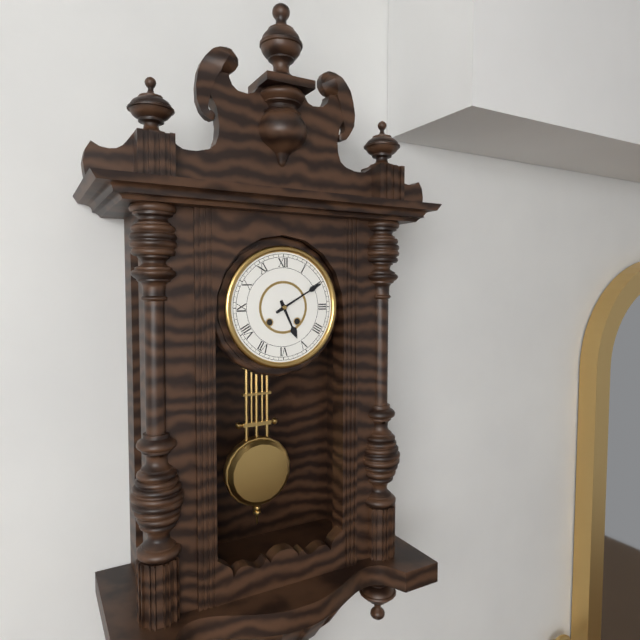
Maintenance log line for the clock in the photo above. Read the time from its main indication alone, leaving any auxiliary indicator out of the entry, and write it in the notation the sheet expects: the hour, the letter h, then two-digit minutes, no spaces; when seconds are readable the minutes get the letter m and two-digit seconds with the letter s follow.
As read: 5h10
